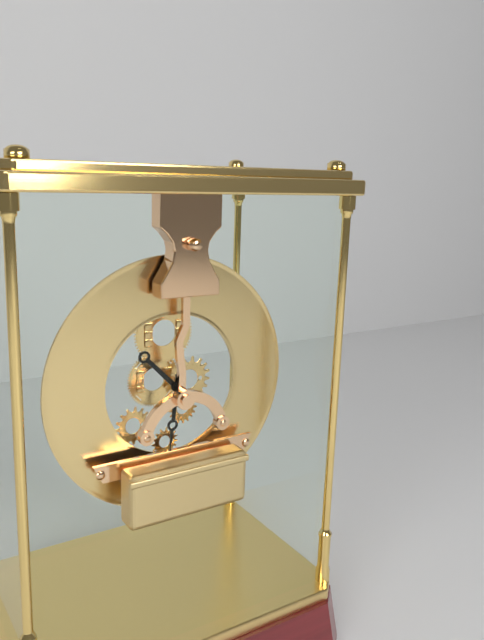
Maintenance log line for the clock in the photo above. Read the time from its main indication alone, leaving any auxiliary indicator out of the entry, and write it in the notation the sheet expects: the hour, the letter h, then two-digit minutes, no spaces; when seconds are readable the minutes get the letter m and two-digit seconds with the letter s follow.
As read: 10h31
